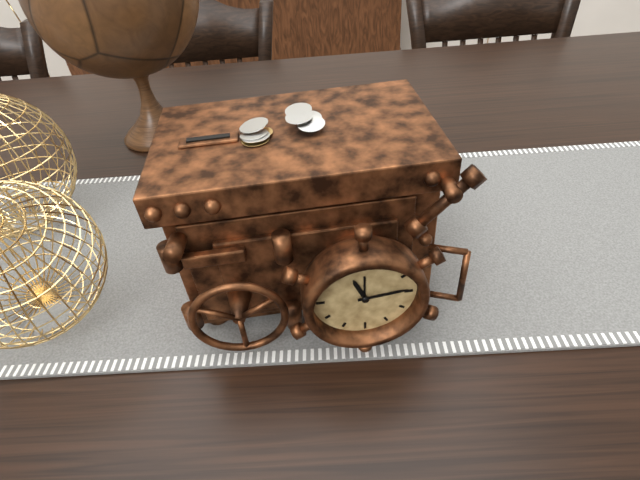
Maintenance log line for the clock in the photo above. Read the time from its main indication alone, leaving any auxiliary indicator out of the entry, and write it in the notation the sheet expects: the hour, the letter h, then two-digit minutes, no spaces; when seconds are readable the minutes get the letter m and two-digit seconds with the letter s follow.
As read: 11h14
